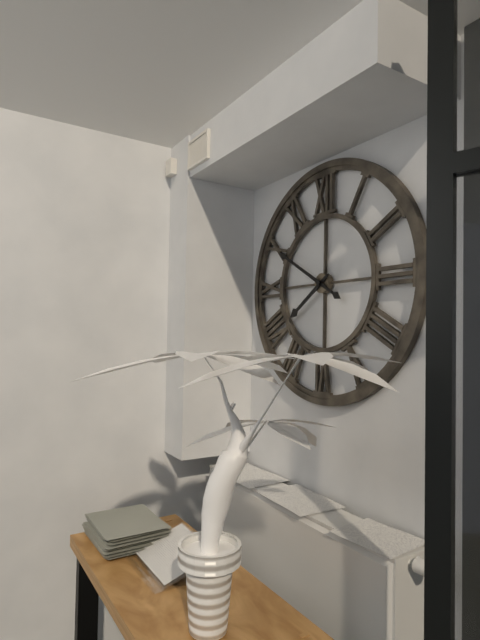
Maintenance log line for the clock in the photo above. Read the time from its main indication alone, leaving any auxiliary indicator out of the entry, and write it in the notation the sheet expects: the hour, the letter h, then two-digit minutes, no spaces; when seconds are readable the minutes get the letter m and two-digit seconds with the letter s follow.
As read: 7h50
